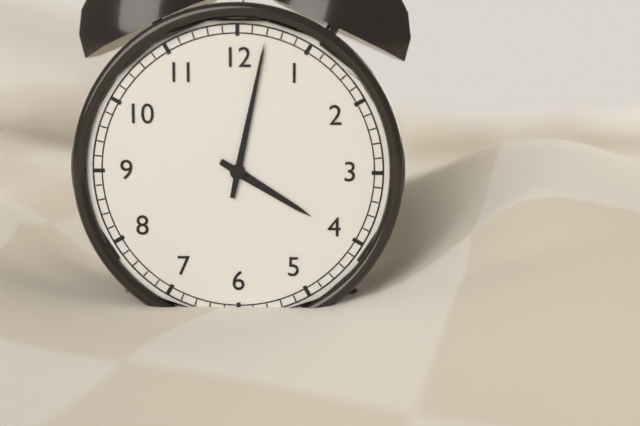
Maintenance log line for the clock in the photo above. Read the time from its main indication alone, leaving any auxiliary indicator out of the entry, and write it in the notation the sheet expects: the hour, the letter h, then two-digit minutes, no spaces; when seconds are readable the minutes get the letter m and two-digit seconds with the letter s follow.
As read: 4h02
